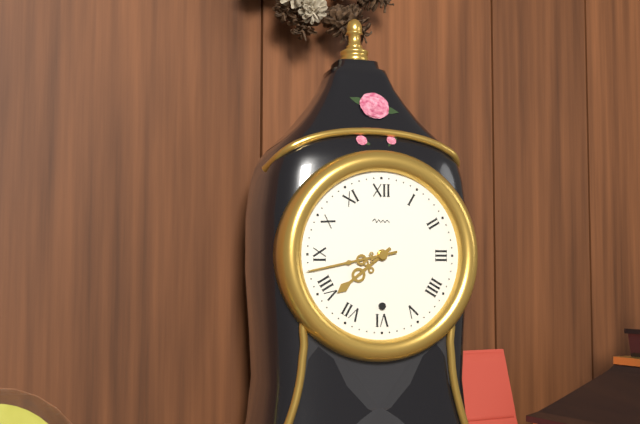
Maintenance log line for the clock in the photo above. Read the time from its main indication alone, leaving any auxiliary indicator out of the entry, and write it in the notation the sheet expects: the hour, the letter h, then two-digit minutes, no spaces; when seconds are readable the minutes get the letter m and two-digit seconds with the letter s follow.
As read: 7h43
